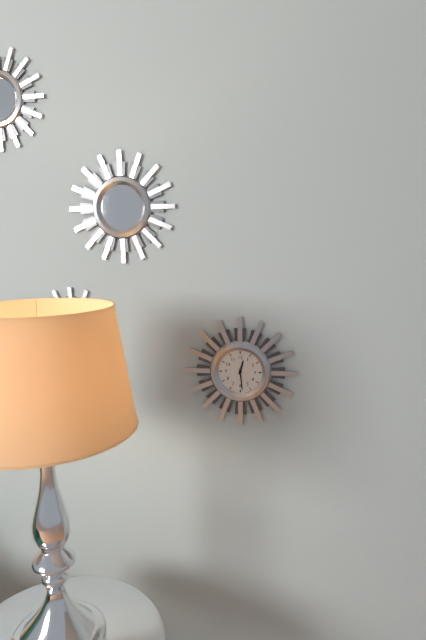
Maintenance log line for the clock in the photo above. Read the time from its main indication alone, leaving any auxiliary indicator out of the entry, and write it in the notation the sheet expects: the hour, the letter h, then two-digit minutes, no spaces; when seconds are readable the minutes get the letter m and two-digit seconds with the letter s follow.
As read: 12h29
